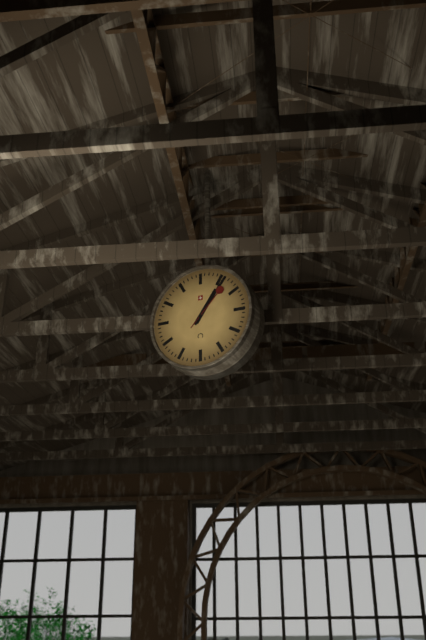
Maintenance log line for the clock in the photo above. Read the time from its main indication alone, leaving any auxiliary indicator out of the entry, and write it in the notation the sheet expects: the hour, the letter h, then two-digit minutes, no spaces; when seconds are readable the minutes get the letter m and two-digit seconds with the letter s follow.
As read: 1h06
